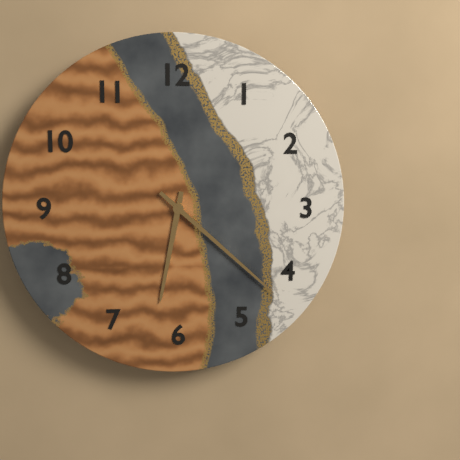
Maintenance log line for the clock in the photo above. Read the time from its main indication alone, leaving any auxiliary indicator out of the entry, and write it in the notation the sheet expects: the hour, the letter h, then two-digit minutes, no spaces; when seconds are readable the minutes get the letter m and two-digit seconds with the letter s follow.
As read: 6h22
